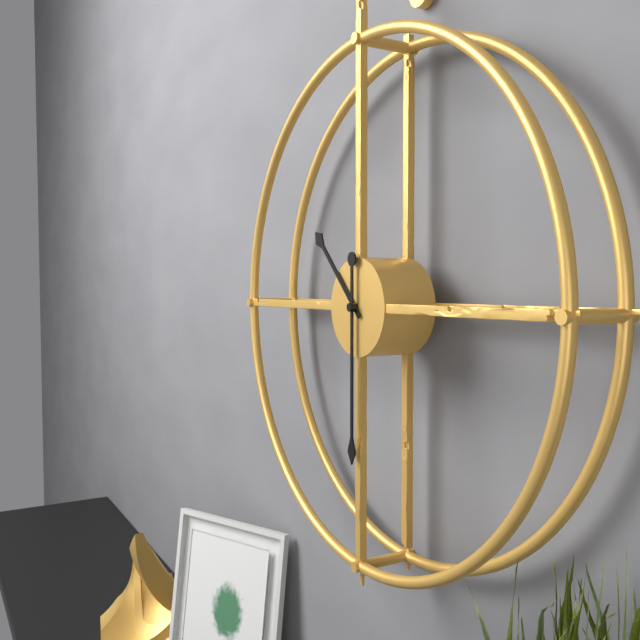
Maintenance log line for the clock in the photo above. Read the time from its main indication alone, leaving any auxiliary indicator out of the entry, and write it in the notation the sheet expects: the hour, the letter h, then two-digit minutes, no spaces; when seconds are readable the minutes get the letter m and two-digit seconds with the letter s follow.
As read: 10h30
